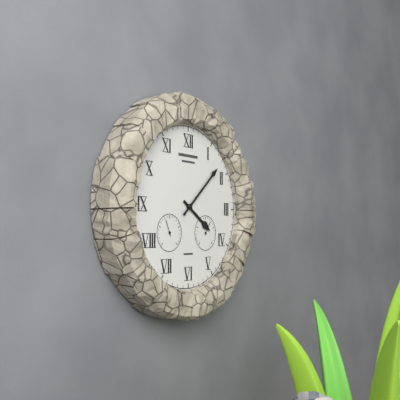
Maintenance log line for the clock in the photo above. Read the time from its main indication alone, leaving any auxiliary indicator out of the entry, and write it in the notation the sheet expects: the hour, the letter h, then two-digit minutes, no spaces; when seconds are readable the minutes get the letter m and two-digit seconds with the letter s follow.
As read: 4h08
